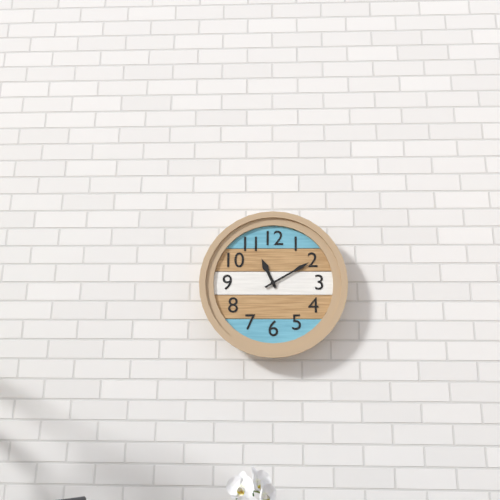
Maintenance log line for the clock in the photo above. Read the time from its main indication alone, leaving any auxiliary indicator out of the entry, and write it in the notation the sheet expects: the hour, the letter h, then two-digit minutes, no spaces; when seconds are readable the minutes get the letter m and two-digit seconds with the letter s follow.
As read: 11h10
